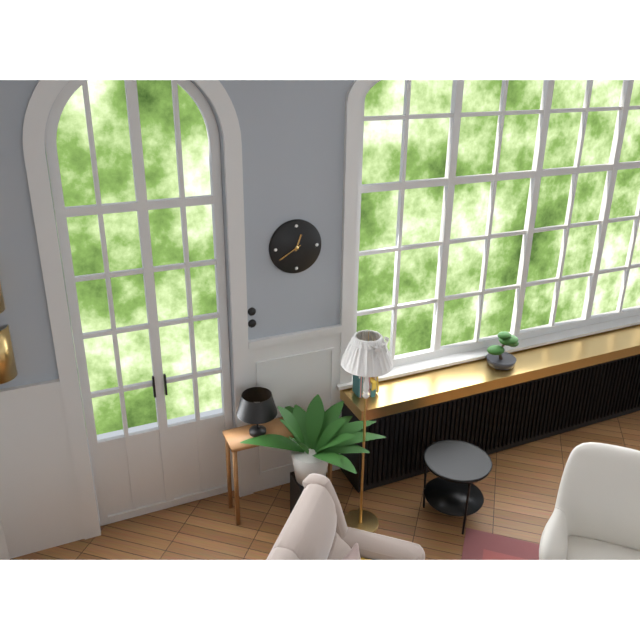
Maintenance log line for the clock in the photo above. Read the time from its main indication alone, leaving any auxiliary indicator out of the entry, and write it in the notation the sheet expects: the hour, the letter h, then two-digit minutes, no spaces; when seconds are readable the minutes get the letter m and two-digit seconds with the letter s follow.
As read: 12h40
